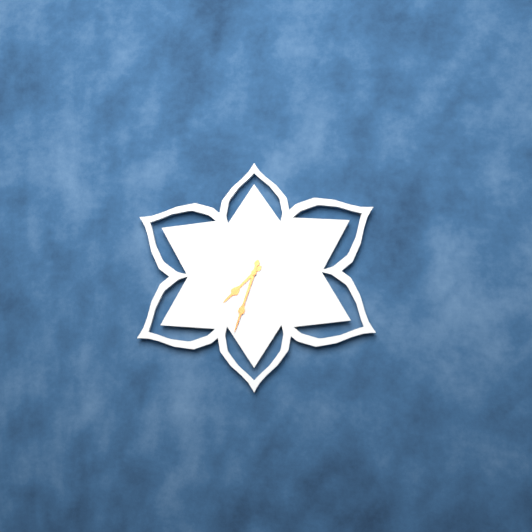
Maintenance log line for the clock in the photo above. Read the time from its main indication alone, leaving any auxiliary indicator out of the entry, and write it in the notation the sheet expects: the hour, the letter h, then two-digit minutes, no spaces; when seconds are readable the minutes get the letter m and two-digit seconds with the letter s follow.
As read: 7h33
